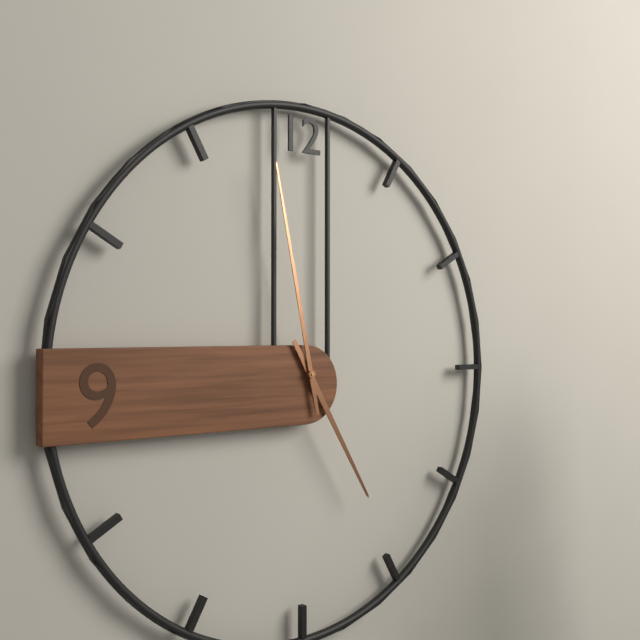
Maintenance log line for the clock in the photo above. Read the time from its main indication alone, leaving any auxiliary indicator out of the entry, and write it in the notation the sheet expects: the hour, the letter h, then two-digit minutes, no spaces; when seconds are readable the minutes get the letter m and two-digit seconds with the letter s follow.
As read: 4h58
